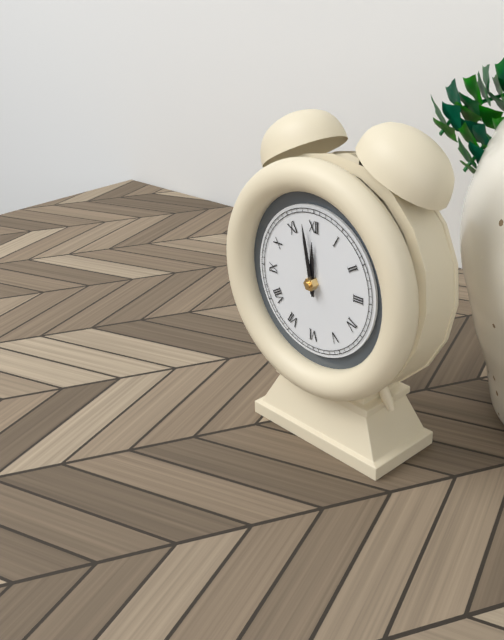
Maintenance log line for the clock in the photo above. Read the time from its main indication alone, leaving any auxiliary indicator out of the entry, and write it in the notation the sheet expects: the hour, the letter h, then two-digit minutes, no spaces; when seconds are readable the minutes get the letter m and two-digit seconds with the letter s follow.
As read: 11h58
